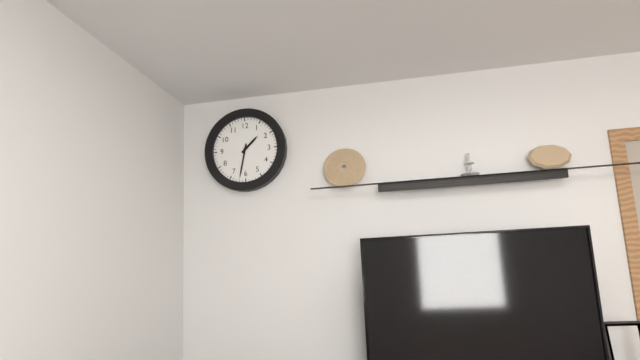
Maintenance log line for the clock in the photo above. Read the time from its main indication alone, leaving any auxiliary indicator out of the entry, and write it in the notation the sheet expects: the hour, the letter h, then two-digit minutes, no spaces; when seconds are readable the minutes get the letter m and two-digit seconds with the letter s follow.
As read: 1h32
